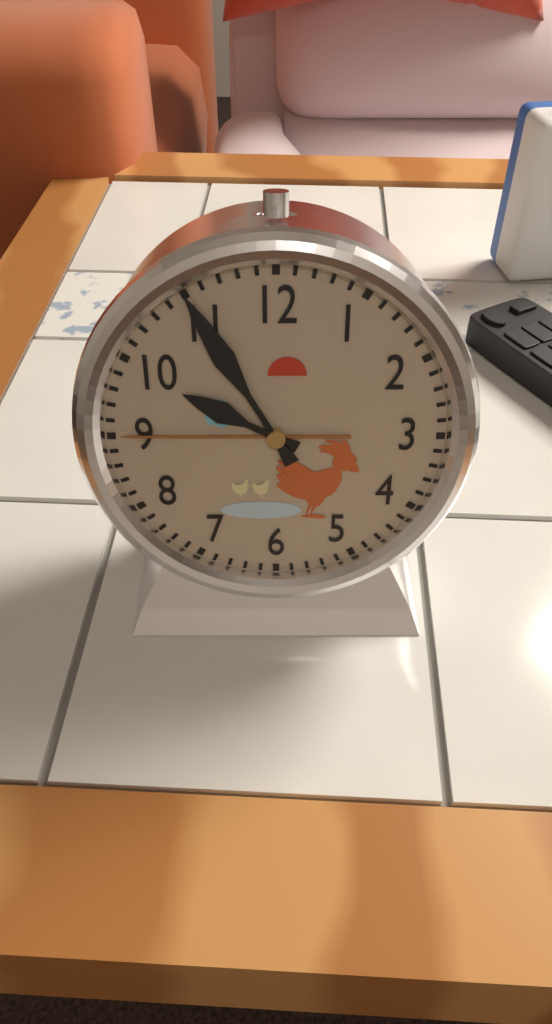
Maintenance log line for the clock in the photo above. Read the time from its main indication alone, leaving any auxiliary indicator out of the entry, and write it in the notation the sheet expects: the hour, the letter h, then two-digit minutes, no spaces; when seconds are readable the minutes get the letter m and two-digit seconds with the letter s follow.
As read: 9h55
